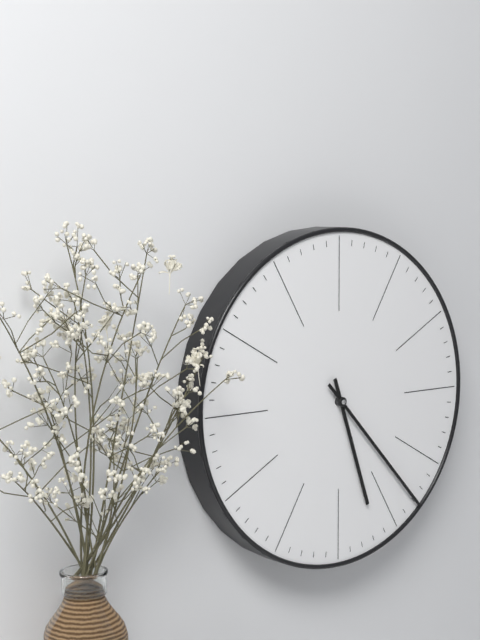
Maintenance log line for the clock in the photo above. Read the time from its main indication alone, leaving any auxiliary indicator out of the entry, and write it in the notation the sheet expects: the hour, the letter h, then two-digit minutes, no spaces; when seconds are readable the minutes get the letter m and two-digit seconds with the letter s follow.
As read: 5h23
